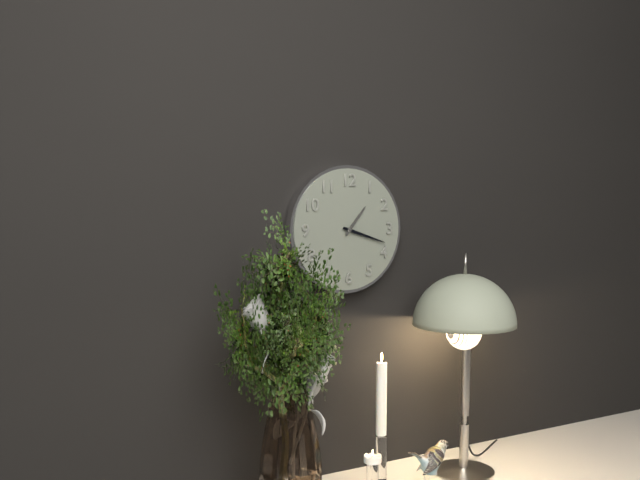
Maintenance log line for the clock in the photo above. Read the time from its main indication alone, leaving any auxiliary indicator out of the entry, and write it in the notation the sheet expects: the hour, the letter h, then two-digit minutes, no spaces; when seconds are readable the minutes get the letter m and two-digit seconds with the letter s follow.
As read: 1h18
